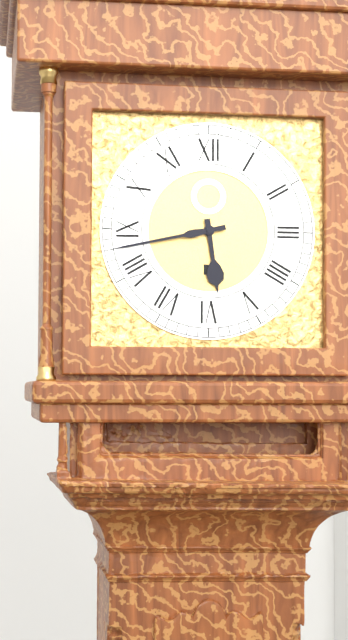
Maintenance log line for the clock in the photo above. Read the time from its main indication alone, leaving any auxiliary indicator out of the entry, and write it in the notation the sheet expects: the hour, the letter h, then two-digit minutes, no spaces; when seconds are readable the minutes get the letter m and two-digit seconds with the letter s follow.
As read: 5h43
